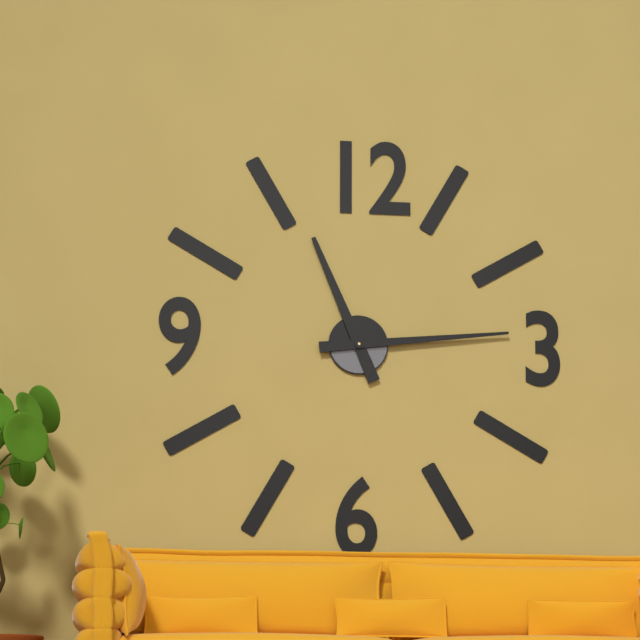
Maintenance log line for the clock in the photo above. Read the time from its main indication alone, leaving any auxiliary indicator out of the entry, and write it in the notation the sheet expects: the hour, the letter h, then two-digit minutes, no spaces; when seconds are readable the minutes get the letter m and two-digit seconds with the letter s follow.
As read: 11h14
